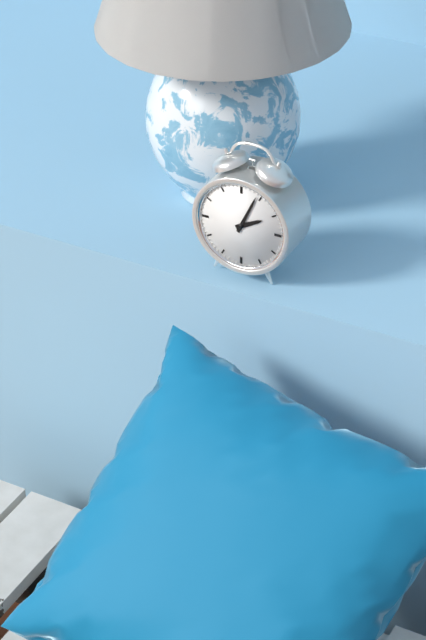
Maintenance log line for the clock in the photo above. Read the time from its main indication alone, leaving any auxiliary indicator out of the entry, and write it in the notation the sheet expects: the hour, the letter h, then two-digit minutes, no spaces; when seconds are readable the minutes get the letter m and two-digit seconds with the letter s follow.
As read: 2h04
